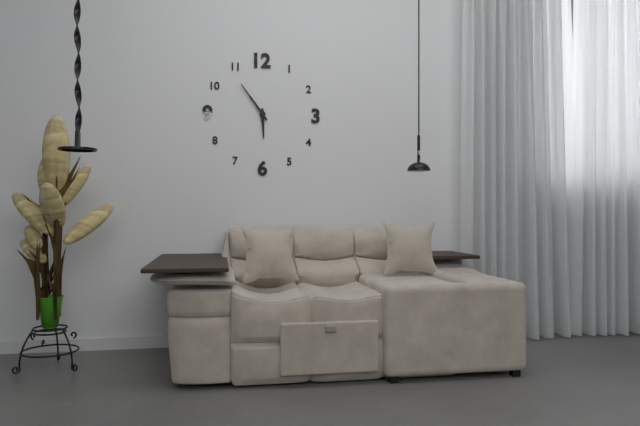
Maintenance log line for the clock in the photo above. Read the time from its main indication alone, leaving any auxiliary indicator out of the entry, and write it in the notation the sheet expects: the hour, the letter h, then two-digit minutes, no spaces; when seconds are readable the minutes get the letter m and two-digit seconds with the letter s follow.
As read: 5h54
